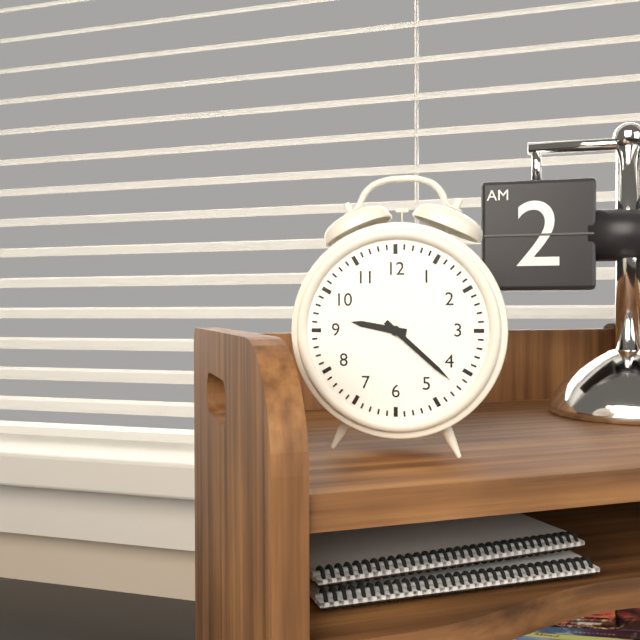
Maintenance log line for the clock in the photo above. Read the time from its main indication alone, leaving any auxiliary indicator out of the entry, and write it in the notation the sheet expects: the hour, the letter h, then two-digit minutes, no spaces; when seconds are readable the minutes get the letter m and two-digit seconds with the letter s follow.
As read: 9h22
